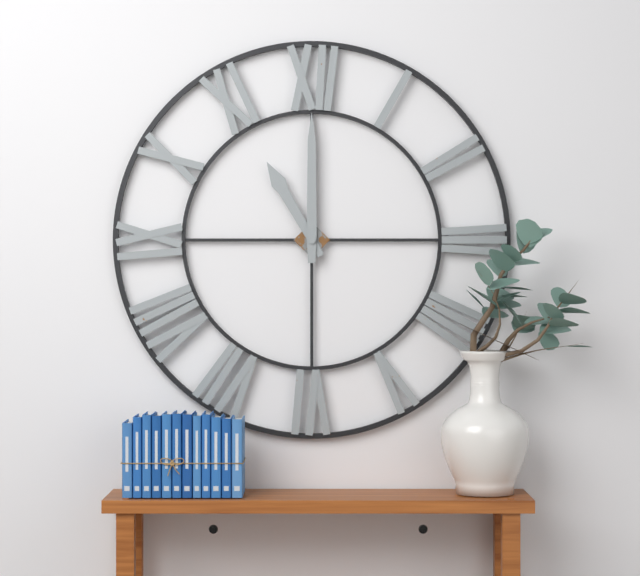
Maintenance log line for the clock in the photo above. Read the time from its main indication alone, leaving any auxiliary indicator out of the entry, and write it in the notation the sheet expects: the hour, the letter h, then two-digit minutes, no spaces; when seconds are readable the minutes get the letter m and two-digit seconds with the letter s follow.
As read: 11h00
